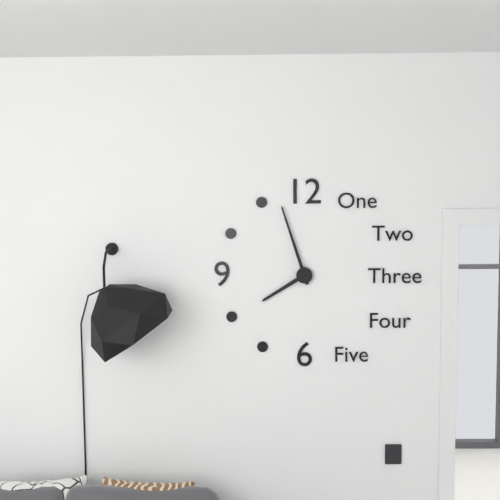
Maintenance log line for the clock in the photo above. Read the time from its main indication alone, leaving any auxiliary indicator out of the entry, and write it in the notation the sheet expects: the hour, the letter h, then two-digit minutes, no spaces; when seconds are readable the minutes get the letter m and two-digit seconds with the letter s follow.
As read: 7h57
